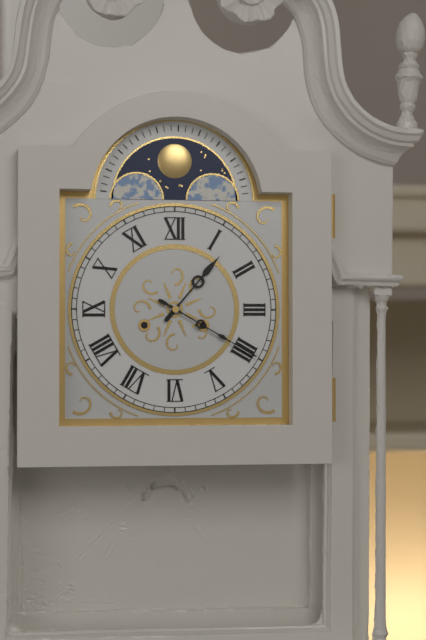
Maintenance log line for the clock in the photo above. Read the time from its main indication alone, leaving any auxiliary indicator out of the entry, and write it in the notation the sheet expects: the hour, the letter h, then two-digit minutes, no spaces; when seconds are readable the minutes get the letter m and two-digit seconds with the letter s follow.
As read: 1h20
